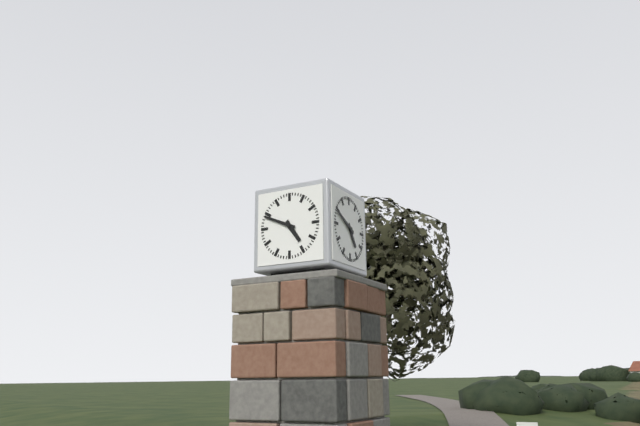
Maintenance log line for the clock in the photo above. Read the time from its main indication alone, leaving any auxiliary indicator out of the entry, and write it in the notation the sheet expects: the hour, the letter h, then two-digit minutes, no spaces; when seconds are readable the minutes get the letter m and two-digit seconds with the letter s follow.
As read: 4h49
